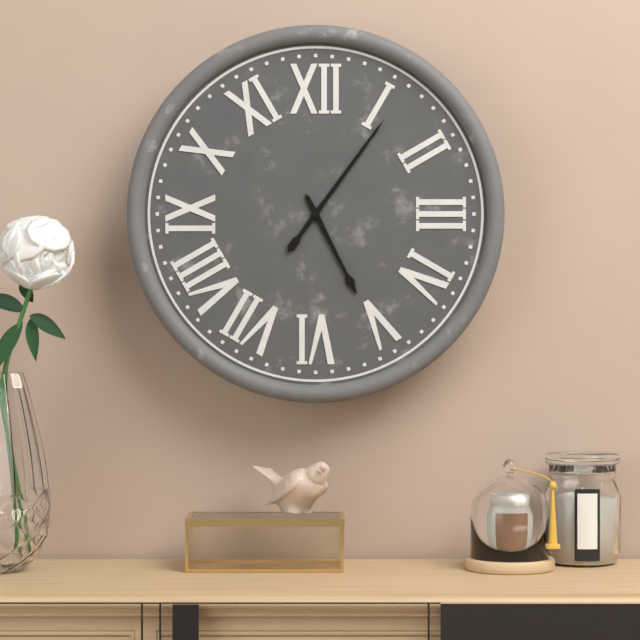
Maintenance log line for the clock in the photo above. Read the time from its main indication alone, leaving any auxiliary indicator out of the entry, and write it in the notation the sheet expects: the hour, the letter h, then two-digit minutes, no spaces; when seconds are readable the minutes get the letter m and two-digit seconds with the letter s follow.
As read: 5h06
